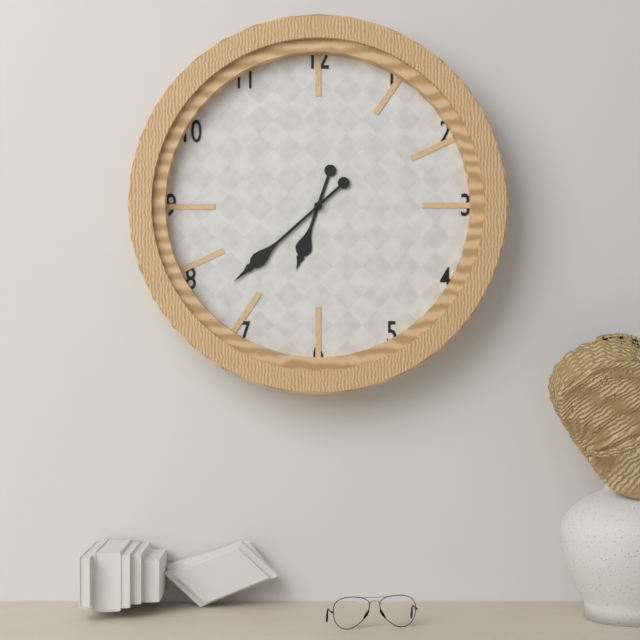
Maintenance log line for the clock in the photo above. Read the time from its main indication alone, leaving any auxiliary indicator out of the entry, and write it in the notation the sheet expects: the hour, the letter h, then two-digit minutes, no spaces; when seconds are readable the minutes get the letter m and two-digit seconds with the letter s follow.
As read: 6h38
